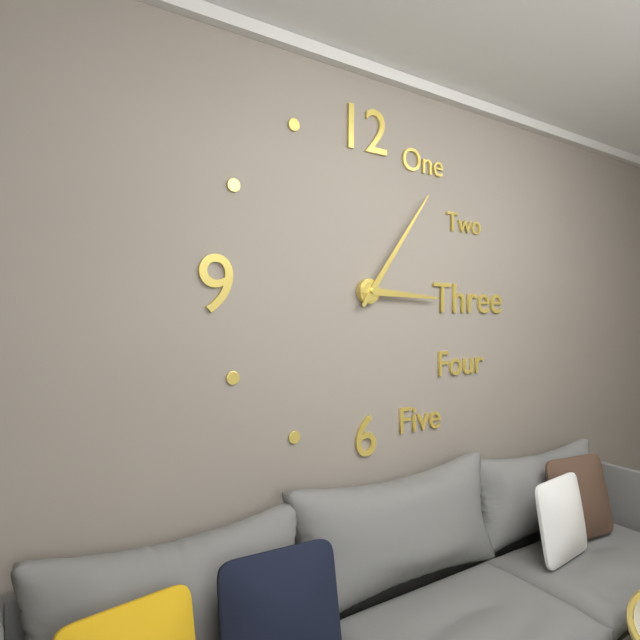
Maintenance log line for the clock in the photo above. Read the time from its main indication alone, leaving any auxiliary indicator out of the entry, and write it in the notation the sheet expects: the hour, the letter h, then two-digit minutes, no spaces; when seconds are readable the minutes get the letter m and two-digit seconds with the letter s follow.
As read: 3h06
